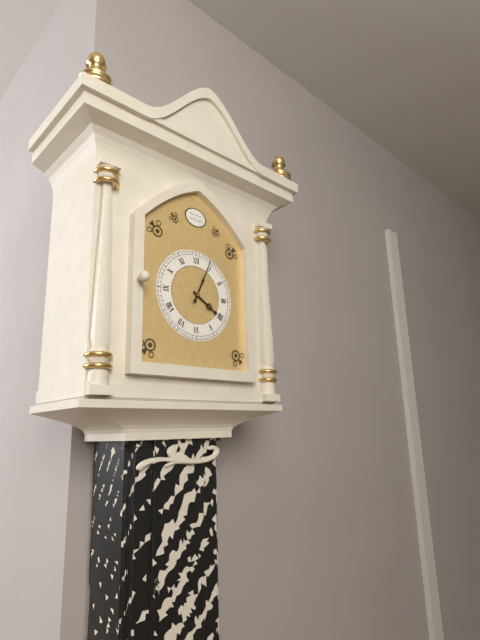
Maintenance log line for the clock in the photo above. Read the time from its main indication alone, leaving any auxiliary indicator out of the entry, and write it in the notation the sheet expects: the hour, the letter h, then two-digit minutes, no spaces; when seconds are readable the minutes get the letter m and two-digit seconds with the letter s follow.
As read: 4h04
